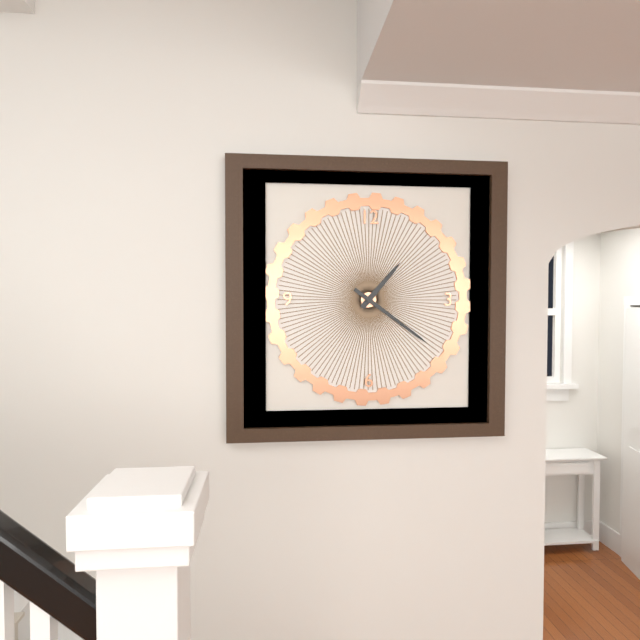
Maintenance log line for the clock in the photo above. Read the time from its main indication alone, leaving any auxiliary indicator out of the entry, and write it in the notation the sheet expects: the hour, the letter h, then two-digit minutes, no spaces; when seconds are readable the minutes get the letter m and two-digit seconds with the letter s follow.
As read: 1h21
